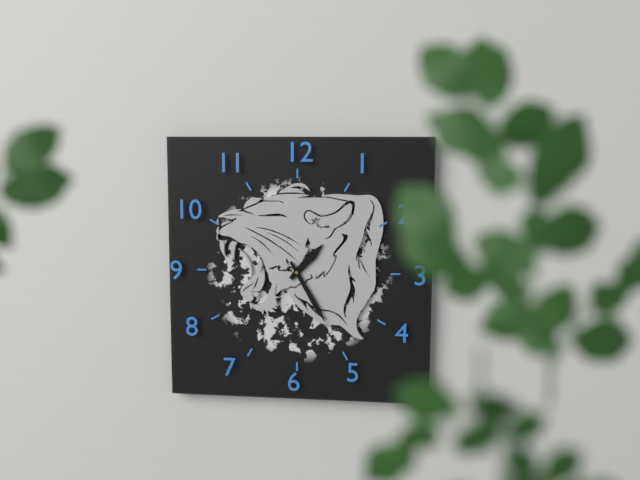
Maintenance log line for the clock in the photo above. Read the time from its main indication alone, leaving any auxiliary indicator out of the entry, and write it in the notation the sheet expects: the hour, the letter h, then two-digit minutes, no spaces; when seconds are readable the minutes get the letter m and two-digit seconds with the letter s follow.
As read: 1h25
